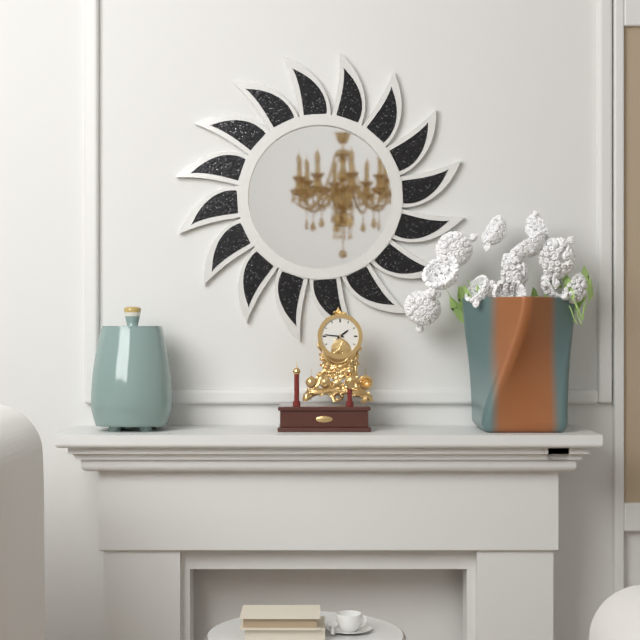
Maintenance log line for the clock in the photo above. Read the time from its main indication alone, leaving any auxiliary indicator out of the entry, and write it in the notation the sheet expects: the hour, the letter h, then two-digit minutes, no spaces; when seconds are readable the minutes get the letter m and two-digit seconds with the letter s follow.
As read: 1h46
